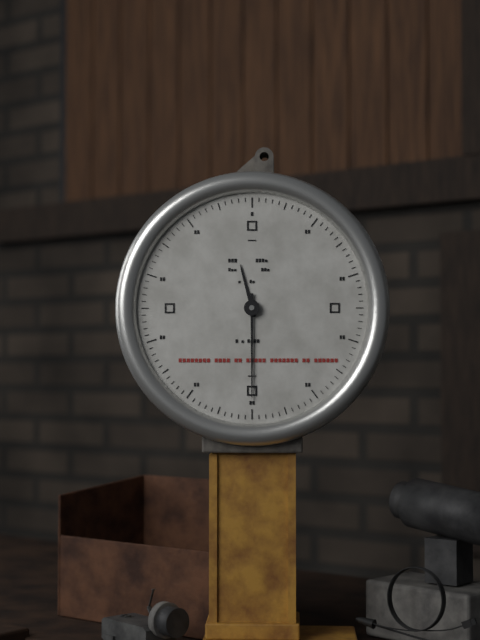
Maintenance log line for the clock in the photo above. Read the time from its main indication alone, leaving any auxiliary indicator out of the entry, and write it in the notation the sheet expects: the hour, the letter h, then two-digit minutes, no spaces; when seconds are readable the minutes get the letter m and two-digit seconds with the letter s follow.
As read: 11h30
